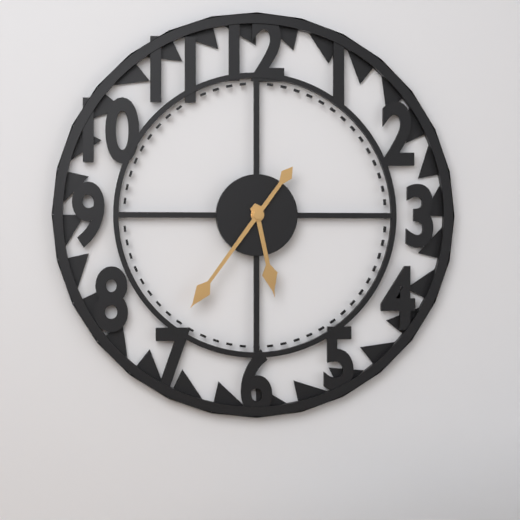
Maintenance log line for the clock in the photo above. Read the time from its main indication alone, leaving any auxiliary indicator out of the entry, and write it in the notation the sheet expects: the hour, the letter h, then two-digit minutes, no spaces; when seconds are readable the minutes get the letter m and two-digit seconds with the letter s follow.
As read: 5h36
